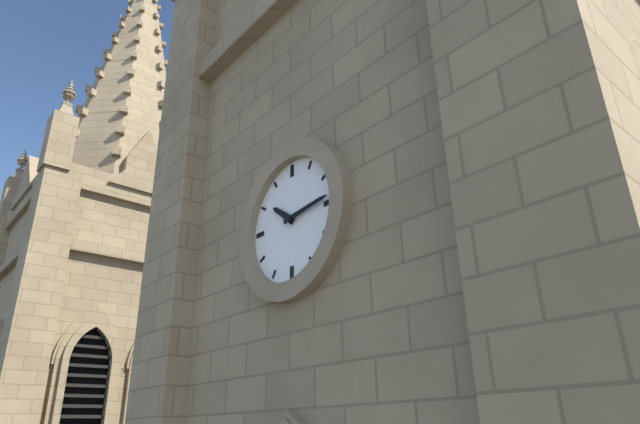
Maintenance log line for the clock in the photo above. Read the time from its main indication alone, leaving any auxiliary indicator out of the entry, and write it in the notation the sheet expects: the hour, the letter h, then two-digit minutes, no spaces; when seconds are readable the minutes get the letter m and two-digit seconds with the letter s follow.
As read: 10h14
